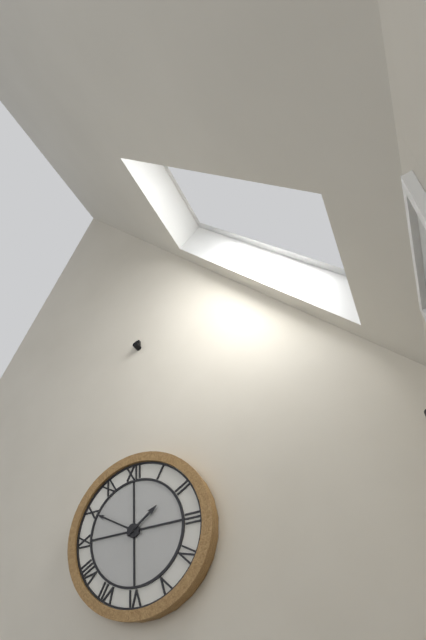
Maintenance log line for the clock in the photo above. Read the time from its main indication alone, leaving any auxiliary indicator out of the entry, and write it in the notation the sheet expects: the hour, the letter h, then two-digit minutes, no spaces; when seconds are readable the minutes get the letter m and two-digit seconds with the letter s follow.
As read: 1h50
